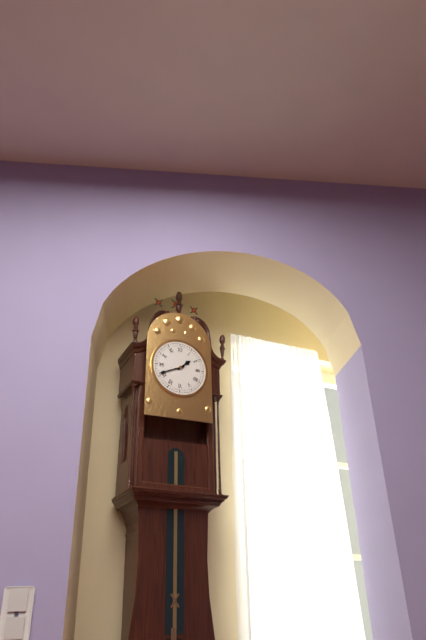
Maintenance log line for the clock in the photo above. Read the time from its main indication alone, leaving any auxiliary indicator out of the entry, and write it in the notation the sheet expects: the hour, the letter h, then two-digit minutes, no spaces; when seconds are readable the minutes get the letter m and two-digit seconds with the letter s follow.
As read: 1h41
